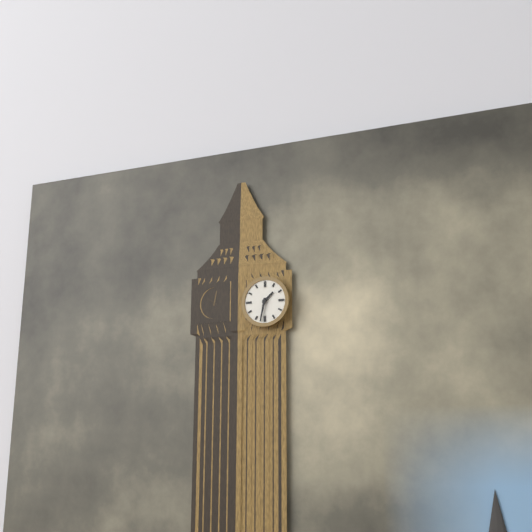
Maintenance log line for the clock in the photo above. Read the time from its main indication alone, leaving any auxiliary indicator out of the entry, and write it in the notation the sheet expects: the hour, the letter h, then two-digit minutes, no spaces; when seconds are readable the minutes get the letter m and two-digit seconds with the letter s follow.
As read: 1h32
